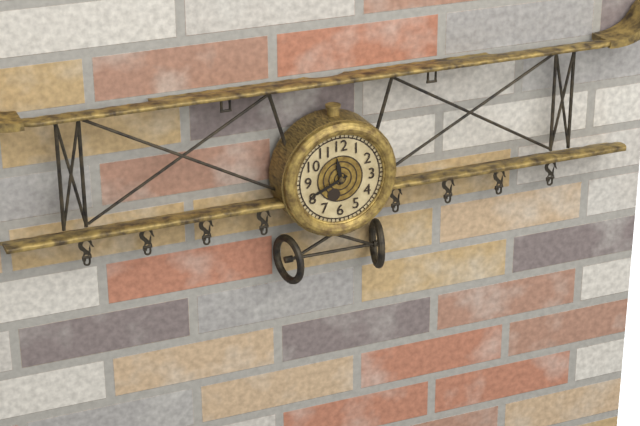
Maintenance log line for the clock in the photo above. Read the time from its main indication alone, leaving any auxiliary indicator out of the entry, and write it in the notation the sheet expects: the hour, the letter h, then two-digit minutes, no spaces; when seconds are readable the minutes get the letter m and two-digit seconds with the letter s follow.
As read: 11h41
